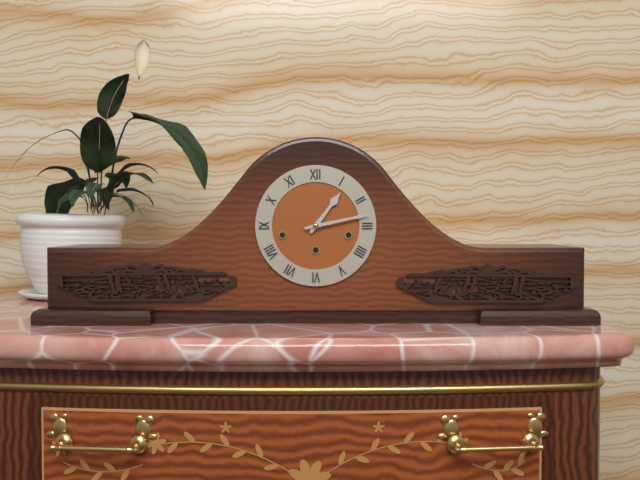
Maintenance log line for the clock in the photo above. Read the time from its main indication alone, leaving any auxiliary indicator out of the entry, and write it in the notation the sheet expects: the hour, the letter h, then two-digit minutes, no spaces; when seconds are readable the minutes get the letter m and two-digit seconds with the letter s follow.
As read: 1h13
